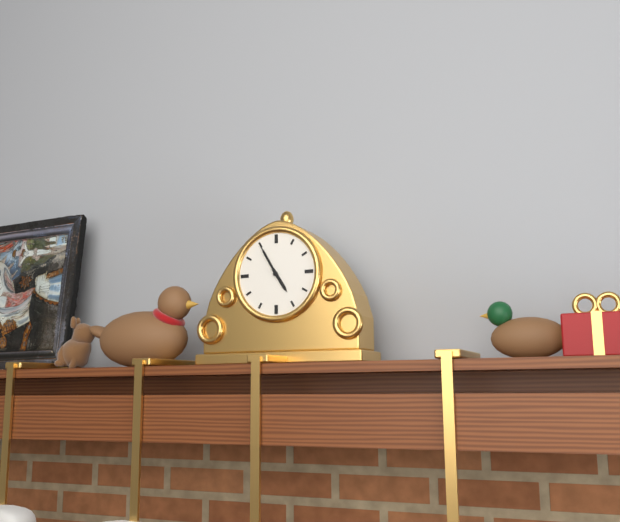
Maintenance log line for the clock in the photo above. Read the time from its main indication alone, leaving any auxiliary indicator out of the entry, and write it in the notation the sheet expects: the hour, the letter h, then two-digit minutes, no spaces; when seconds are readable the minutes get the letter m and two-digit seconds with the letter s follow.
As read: 4h55
